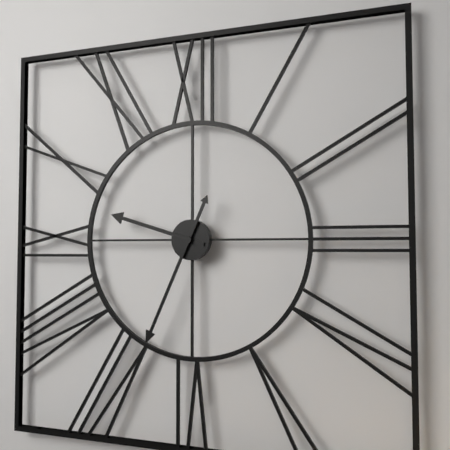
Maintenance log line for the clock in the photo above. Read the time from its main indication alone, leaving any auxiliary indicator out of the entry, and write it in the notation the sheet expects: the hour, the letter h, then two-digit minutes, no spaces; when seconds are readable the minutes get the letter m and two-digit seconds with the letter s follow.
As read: 9h34
